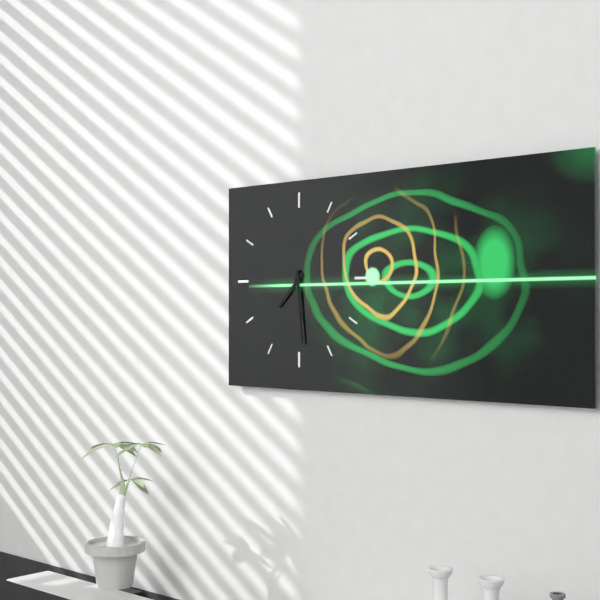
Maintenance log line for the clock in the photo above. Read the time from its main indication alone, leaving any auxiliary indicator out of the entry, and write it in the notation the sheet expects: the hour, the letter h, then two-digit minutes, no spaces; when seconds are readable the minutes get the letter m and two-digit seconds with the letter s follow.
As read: 7h29
